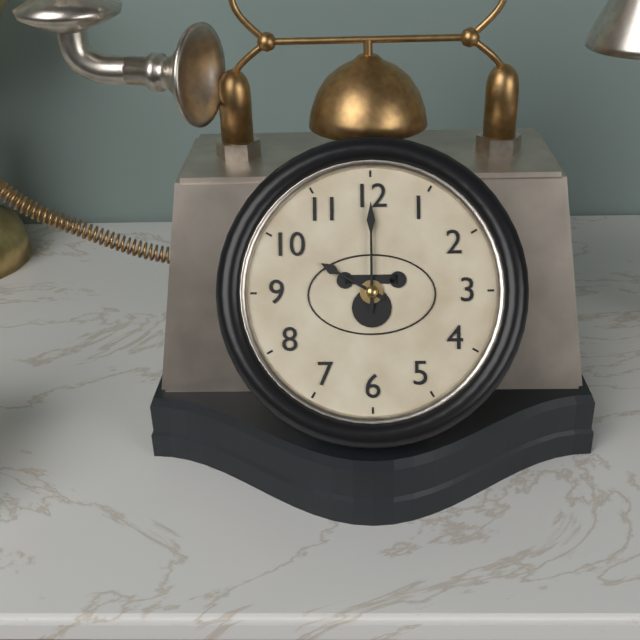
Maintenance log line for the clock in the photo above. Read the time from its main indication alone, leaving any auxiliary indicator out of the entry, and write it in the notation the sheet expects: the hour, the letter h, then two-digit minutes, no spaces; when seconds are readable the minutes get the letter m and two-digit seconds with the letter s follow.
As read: 10h00
